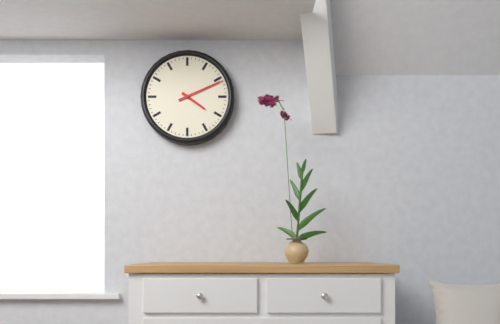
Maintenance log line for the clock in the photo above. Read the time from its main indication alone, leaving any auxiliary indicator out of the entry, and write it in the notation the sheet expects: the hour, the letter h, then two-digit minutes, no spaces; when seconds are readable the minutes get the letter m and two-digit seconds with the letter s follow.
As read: 4h11
